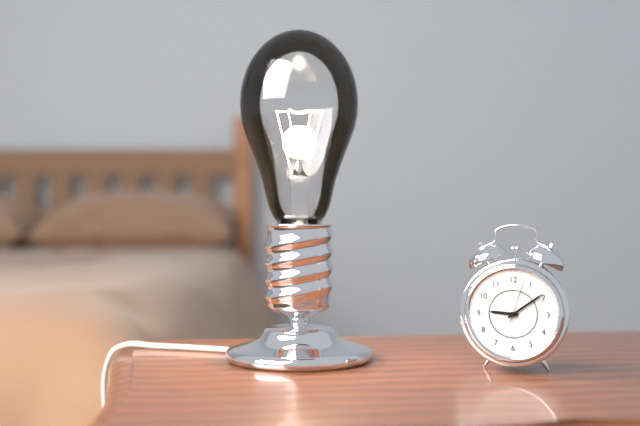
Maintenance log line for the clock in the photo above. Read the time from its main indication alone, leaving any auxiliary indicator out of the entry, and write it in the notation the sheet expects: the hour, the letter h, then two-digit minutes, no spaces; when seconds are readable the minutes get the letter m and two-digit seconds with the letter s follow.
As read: 9h09
